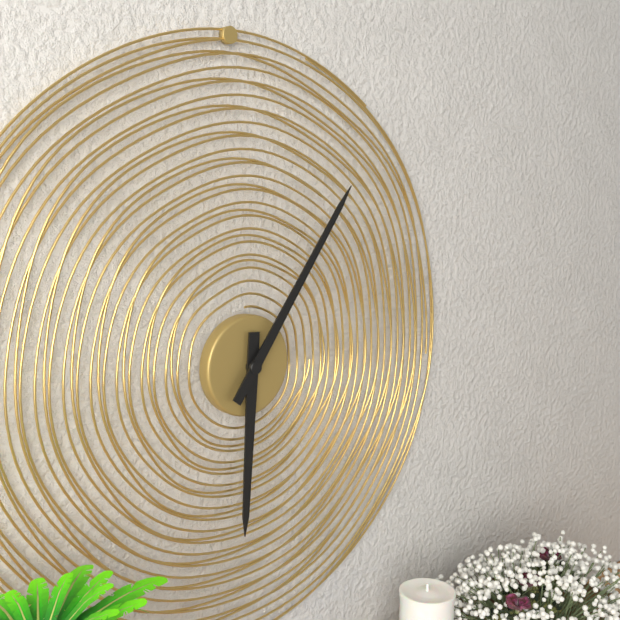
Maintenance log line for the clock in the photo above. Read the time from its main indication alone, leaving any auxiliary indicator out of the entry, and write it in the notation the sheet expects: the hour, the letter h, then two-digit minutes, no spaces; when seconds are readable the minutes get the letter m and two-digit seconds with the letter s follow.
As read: 6h06
